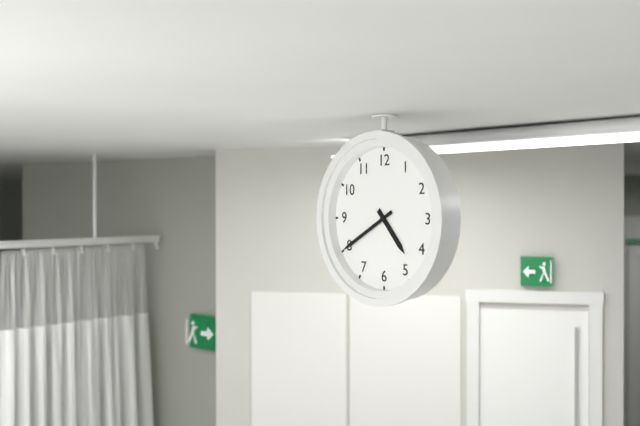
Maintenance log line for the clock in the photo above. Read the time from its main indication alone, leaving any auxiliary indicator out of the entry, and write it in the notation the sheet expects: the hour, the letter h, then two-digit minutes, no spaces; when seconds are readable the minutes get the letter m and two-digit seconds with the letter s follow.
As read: 4h40
